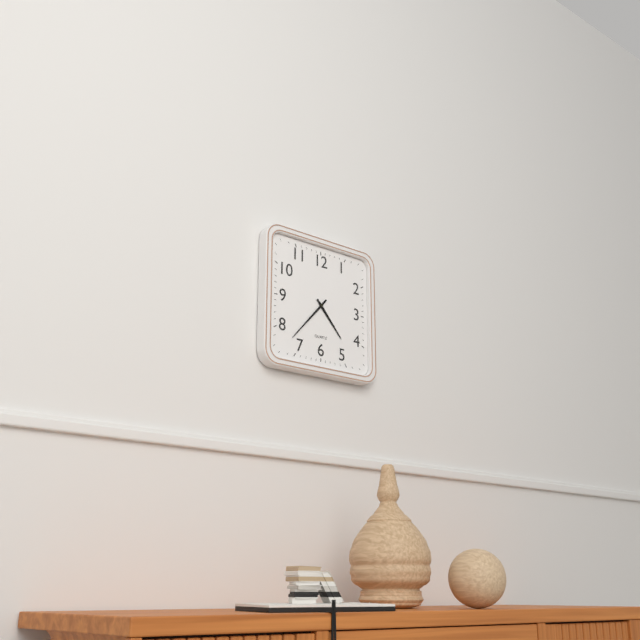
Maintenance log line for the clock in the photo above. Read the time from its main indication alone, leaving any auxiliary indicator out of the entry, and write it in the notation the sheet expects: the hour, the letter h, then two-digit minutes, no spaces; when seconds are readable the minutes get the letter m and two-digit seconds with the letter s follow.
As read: 4h37
